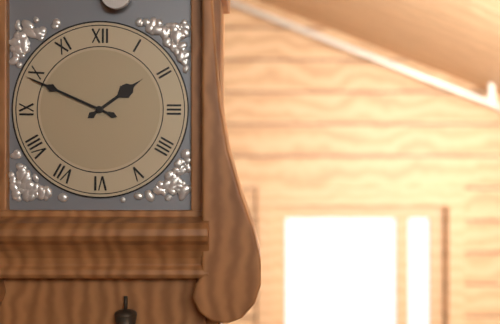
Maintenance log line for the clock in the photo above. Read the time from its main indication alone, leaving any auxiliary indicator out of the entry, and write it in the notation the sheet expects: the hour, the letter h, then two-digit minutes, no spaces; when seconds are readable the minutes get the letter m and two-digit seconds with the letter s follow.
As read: 1h49
